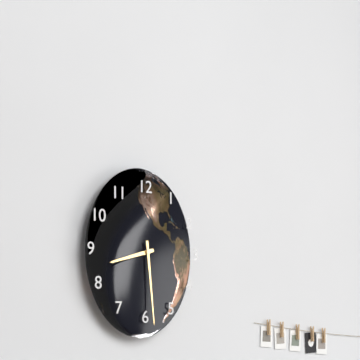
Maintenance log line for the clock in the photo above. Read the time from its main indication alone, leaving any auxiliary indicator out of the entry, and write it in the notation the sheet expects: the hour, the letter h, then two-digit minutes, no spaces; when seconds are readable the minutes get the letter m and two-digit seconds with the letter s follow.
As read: 8h29
